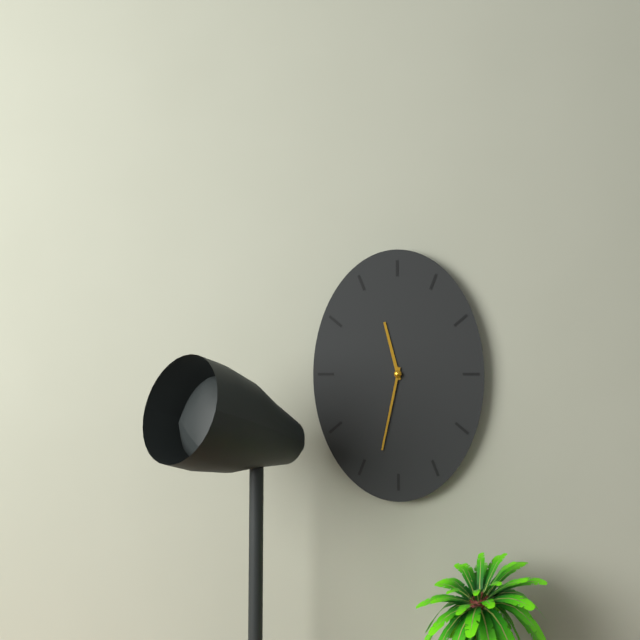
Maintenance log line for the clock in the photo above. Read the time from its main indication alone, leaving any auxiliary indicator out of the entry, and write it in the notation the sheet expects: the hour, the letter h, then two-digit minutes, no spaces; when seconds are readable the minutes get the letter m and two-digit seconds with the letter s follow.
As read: 11h32
